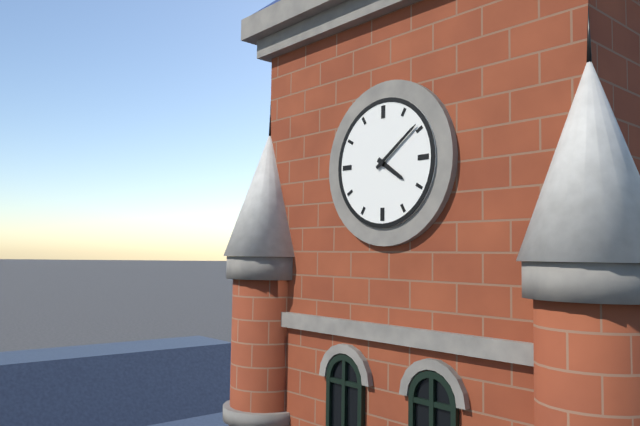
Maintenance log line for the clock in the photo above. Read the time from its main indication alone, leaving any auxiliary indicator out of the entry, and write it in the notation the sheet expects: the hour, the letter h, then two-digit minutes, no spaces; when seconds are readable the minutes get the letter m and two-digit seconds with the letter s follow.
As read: 4h09
